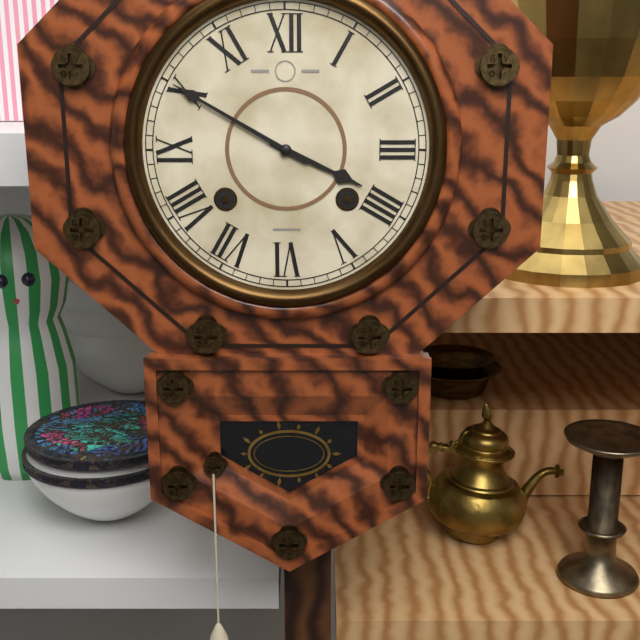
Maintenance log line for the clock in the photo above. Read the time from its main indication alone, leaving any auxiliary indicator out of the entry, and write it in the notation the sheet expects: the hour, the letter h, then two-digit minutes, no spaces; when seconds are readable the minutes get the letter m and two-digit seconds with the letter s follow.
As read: 3h50
